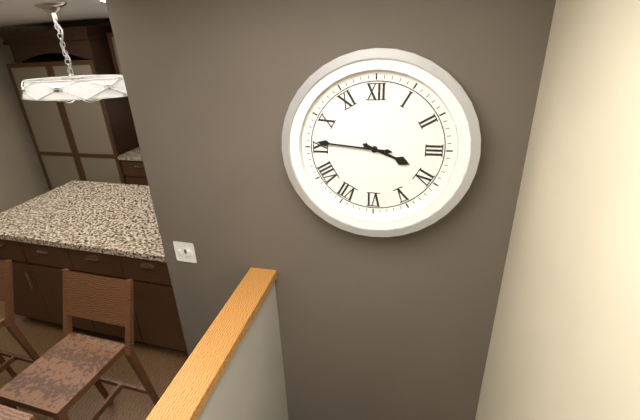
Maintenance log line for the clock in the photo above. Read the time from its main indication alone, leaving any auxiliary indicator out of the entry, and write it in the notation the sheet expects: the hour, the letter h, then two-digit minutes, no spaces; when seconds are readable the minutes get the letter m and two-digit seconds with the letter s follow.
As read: 3h46
